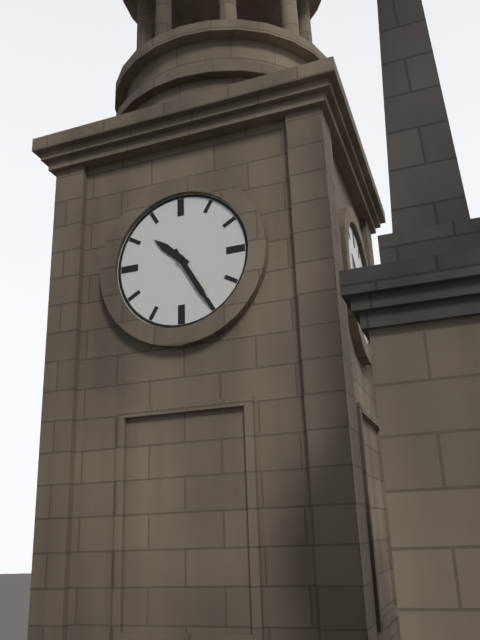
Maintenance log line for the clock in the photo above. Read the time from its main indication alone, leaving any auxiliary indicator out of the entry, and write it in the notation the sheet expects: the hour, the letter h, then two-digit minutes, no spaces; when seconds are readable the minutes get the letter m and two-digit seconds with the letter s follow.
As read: 10h25
